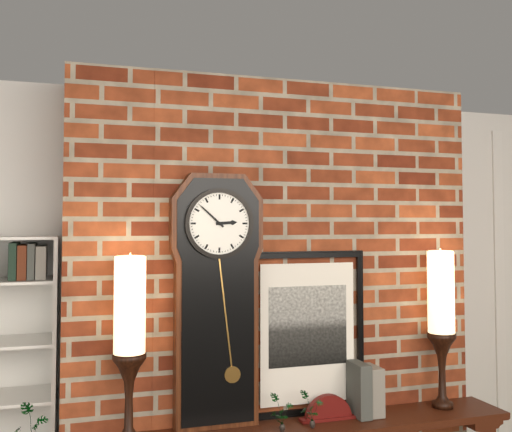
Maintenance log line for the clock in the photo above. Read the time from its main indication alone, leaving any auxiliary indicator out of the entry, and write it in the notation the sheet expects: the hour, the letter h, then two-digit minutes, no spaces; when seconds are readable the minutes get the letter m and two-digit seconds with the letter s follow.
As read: 2h52
